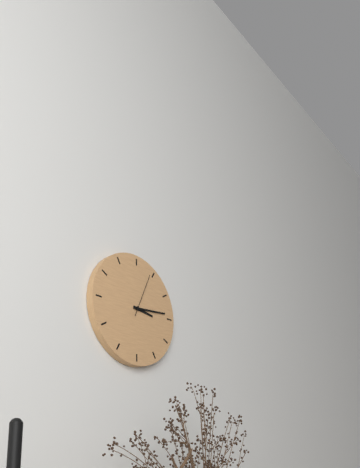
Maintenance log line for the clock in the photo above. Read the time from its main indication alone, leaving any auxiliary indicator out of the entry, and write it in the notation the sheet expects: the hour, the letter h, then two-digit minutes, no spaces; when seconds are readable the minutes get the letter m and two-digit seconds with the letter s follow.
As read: 3h14
